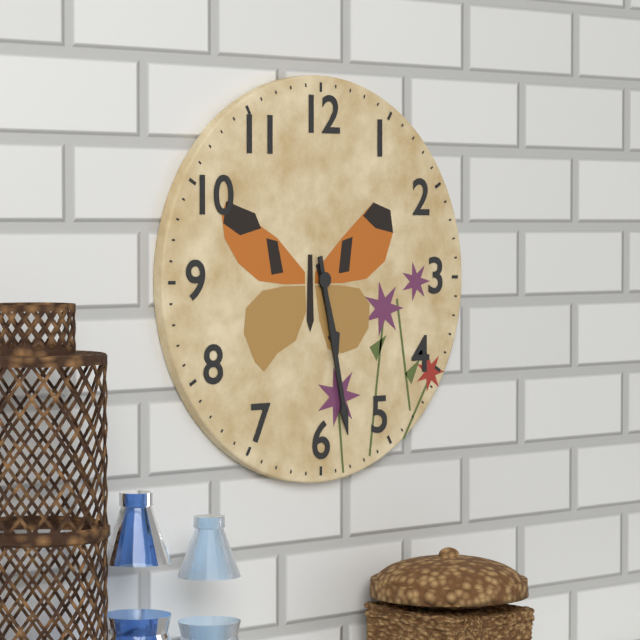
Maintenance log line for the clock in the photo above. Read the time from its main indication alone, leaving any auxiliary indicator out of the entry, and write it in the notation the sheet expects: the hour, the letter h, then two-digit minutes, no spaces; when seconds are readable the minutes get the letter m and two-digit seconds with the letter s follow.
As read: 5h28
